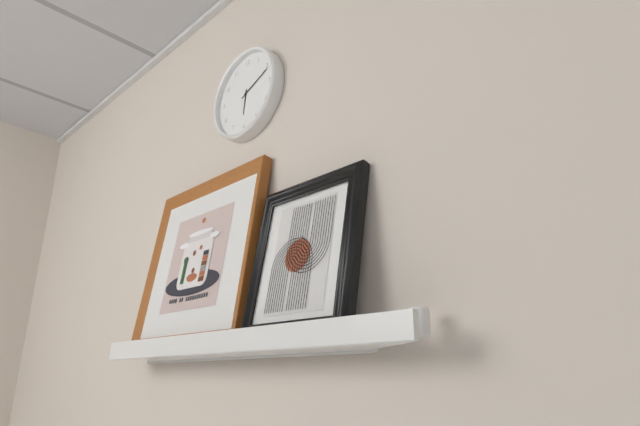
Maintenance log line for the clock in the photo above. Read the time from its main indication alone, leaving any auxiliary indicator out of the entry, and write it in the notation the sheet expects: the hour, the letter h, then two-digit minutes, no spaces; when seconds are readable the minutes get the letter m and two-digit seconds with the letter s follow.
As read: 6h11
